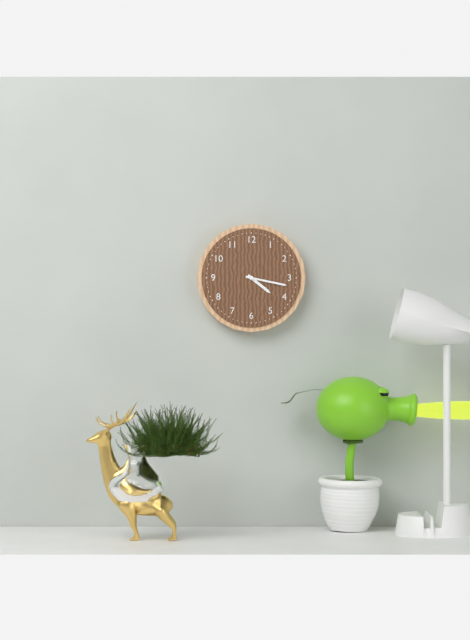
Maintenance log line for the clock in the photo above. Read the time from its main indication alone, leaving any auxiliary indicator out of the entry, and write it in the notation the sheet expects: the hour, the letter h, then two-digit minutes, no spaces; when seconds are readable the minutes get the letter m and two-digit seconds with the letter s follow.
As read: 4h17
